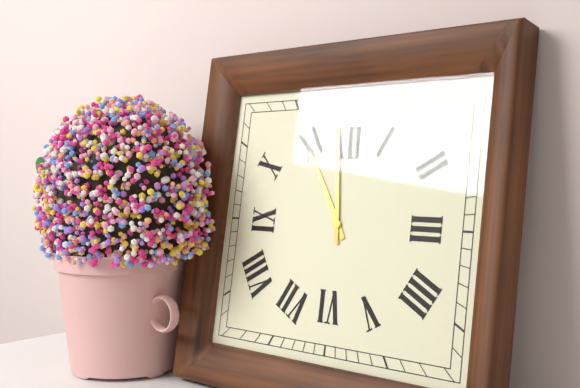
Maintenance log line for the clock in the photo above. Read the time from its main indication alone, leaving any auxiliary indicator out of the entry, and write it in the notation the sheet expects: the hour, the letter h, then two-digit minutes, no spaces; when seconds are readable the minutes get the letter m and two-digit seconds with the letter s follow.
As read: 10h59
